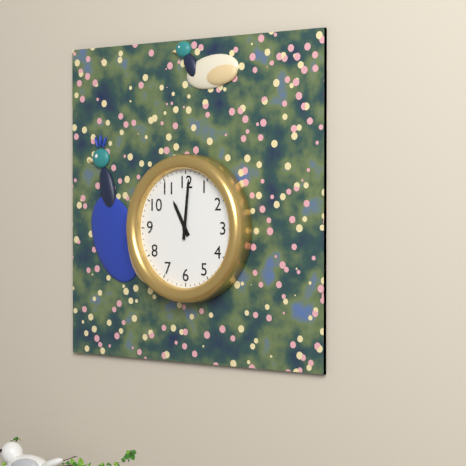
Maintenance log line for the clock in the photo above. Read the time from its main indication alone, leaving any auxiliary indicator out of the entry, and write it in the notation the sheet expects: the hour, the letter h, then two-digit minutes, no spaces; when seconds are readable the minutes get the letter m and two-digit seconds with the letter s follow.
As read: 11h01
